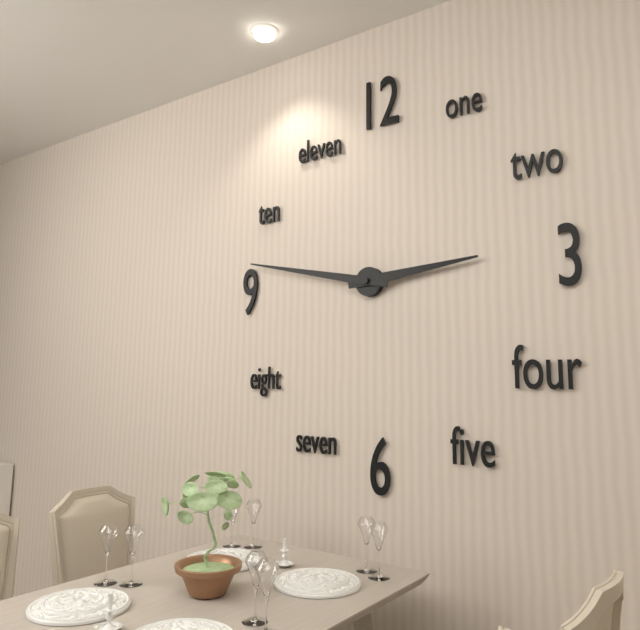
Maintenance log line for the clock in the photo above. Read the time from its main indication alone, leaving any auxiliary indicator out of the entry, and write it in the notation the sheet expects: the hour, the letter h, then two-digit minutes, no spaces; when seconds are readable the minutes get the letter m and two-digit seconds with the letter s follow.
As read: 2h47
